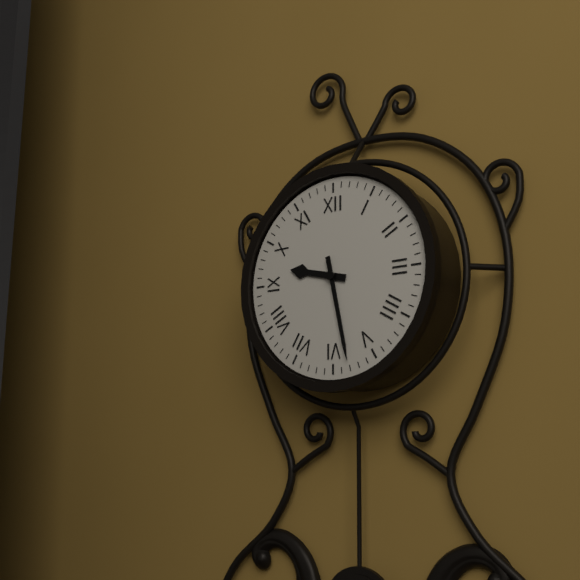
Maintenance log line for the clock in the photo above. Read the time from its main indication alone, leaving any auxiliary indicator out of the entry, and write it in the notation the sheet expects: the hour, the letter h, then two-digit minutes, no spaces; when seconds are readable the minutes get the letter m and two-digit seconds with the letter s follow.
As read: 9h28
